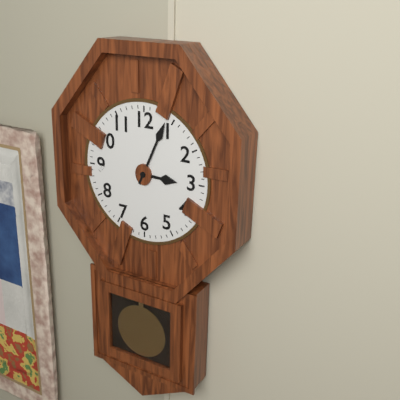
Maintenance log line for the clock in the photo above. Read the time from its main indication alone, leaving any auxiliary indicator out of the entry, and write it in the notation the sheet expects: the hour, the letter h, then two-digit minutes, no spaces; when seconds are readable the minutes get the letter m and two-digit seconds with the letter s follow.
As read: 3h04
